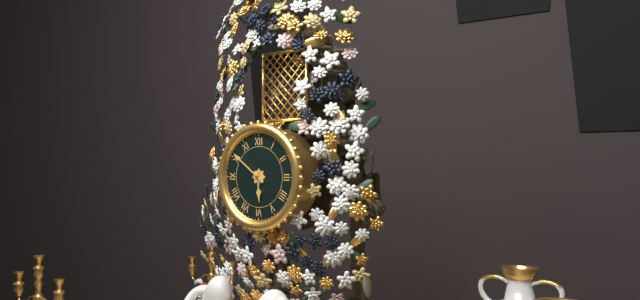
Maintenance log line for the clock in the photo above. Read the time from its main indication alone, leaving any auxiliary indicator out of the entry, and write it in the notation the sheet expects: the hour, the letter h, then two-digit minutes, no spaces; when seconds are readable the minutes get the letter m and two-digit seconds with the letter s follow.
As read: 5h51
